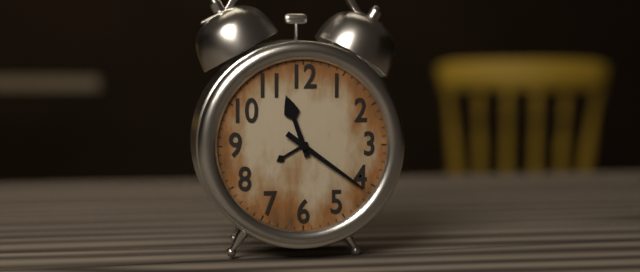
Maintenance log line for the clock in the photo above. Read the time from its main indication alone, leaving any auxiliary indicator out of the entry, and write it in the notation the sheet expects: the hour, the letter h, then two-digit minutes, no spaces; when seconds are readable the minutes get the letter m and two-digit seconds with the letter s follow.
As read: 11h21
